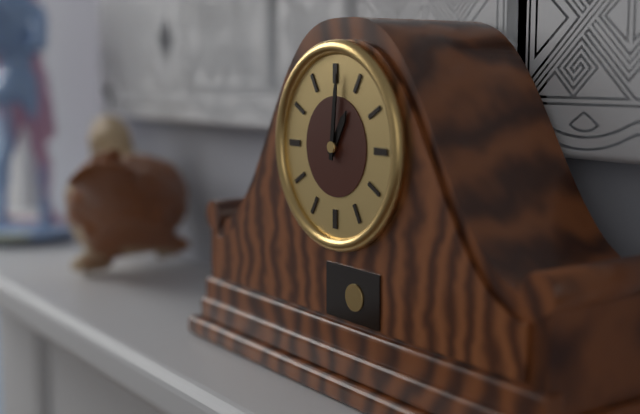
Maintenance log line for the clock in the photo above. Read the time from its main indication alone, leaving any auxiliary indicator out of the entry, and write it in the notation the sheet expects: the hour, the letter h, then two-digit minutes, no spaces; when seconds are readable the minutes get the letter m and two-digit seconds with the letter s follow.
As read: 1h01
